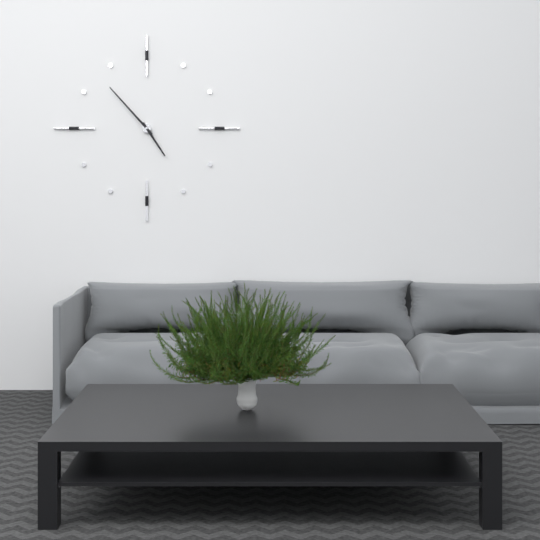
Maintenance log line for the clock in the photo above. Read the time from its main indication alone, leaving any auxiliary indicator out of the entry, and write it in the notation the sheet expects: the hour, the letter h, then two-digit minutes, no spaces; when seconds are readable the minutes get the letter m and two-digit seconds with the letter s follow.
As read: 4h53
